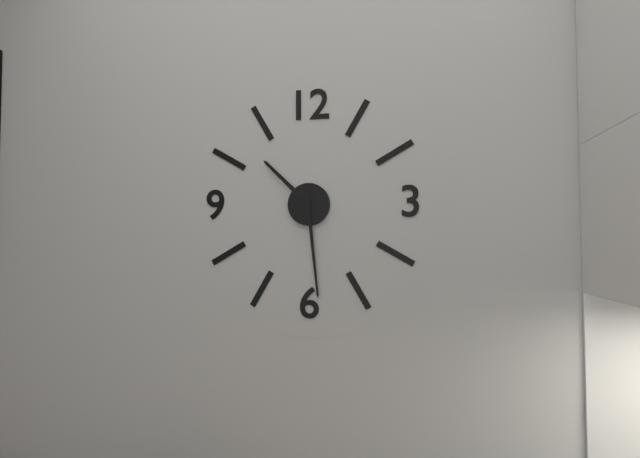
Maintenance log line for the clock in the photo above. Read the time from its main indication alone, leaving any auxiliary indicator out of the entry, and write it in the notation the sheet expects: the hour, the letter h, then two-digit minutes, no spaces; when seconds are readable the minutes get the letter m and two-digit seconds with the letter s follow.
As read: 10h29
